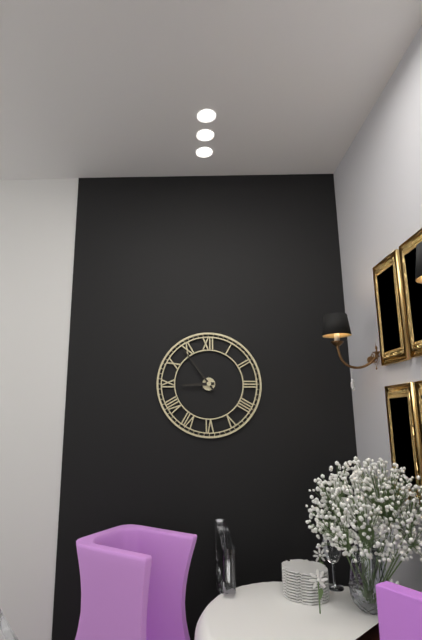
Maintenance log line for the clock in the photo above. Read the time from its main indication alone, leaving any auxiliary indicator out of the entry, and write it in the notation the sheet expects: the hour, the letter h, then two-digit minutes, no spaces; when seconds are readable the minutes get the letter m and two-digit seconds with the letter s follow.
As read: 8h54
